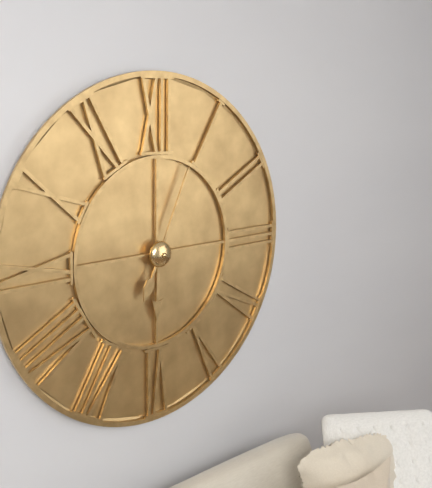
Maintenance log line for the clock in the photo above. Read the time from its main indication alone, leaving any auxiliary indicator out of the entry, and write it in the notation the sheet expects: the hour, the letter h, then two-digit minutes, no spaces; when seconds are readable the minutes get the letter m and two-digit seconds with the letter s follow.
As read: 6h04
